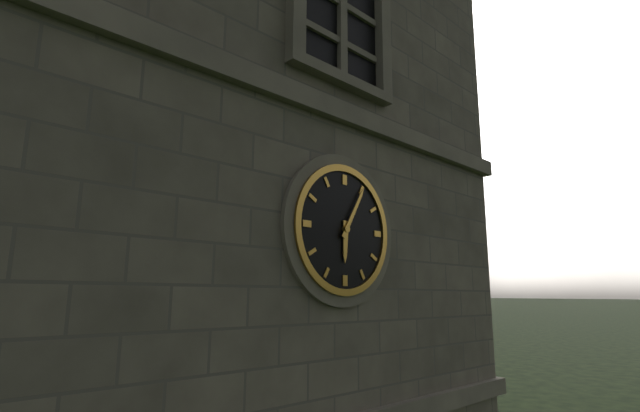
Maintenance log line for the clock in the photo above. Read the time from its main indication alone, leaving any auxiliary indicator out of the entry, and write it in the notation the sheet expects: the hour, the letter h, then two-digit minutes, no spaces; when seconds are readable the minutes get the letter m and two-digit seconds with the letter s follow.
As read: 6h05
